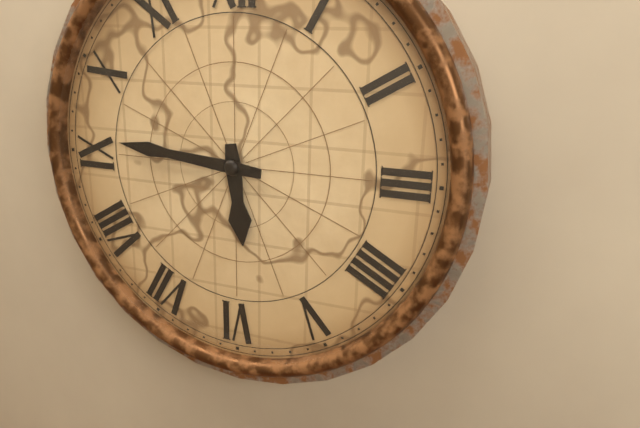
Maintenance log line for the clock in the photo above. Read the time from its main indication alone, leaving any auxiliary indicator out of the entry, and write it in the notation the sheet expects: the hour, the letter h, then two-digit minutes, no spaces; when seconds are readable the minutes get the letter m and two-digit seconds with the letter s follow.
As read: 5h46
